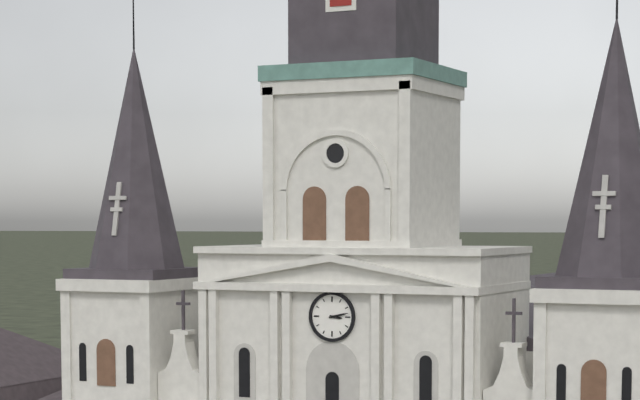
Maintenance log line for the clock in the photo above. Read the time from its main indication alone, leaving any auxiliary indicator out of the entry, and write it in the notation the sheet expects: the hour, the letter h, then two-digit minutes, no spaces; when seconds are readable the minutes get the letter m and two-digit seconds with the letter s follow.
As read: 3h13
